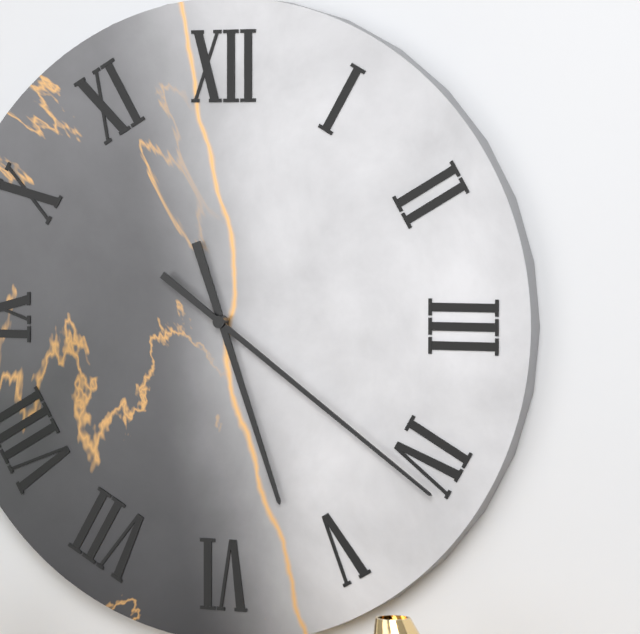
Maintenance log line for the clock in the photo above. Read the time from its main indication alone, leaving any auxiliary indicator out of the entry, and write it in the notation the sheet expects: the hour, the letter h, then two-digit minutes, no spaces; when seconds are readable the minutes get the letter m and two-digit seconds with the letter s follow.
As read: 5h21
